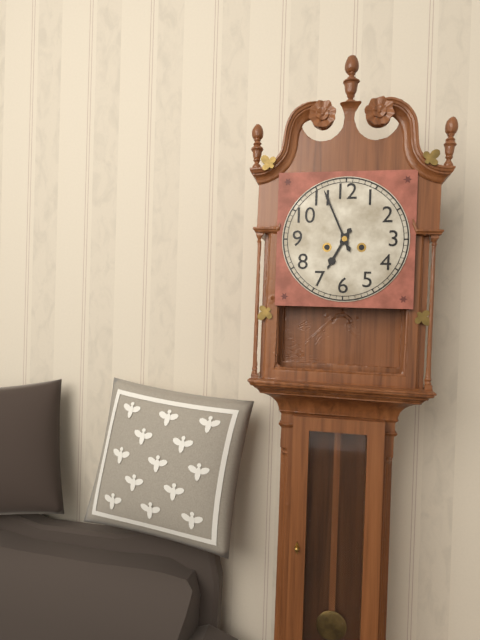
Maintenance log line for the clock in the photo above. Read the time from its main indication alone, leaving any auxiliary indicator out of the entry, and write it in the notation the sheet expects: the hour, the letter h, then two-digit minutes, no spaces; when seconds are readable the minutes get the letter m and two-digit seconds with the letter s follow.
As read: 6h56
